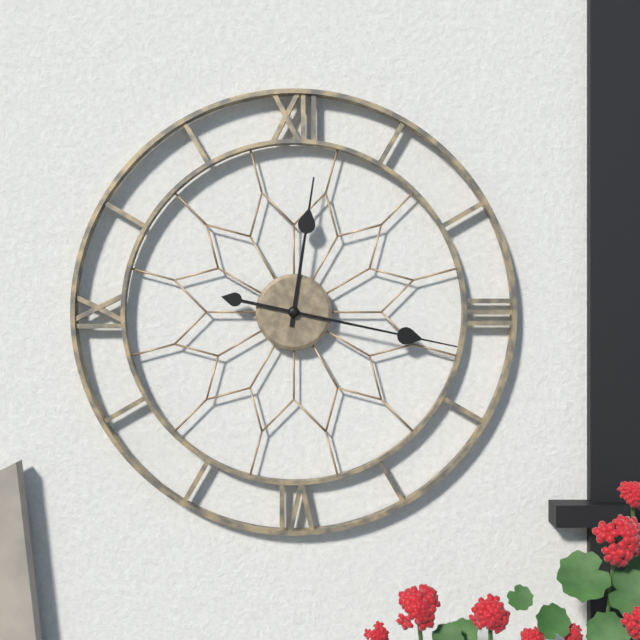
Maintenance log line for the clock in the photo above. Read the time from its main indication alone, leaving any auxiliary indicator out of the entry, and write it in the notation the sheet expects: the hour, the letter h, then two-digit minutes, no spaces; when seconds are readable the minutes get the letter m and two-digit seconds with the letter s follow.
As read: 12h17
